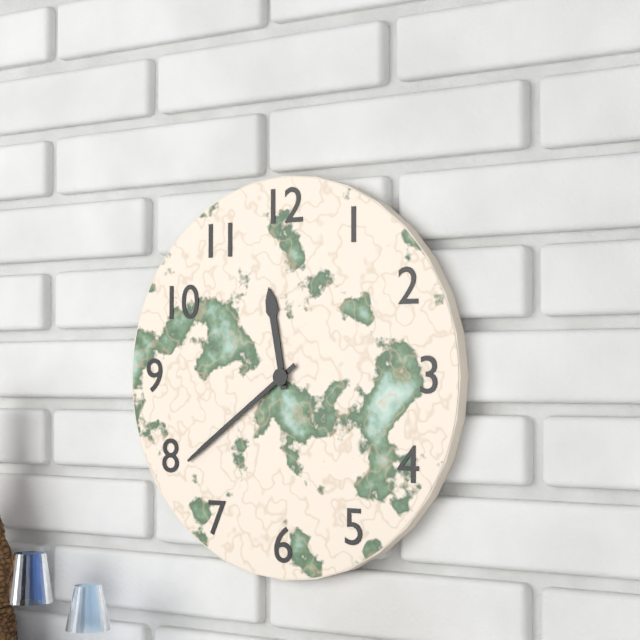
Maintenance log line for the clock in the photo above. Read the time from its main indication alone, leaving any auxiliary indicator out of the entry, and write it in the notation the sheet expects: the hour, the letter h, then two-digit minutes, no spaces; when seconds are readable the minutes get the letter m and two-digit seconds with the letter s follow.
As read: 11h39
